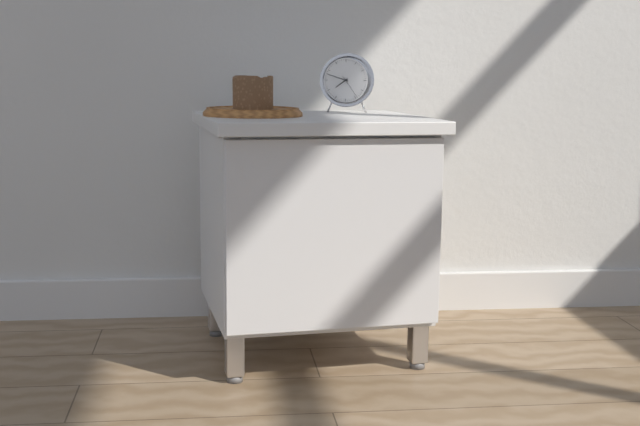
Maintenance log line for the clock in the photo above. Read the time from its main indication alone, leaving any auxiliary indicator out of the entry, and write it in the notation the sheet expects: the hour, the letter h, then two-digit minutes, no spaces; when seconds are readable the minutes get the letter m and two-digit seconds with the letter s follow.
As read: 7h48
